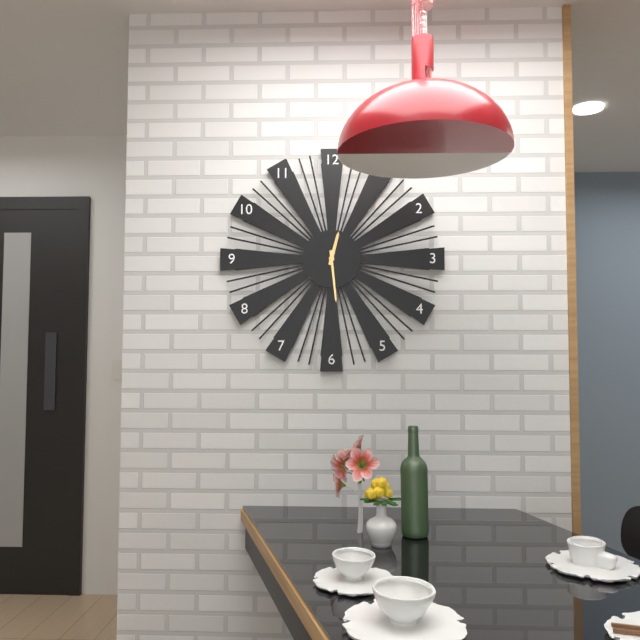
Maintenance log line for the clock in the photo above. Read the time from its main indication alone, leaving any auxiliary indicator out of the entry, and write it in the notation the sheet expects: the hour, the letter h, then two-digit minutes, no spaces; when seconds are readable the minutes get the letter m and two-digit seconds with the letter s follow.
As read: 12h29
